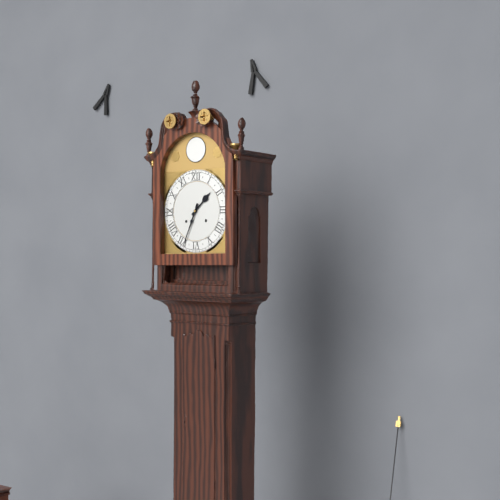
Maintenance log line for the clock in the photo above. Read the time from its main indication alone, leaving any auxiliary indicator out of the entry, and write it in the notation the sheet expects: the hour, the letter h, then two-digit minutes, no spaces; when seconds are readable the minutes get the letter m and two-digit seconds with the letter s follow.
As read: 1h34
